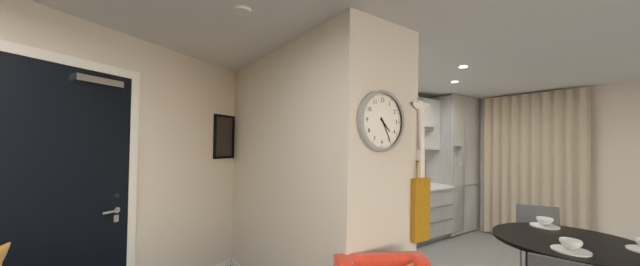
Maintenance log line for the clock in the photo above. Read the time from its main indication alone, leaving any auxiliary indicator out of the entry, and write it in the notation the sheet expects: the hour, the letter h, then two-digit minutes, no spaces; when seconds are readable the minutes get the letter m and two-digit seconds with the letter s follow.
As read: 4h25
